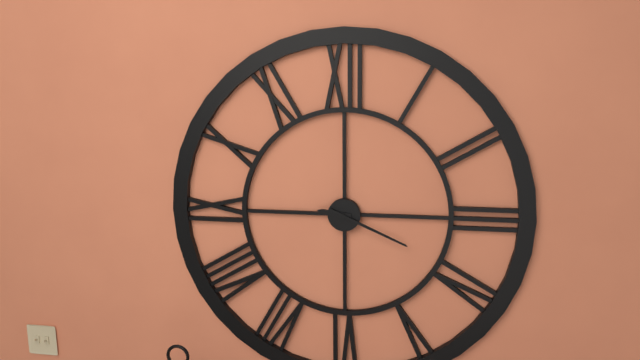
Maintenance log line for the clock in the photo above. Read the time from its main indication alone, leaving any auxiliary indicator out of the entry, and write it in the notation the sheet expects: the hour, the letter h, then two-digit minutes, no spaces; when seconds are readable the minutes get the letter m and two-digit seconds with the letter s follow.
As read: 9h19
